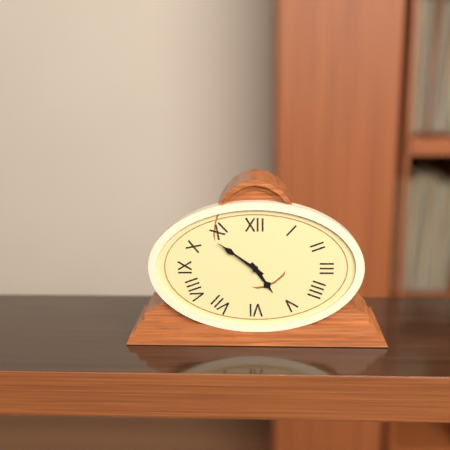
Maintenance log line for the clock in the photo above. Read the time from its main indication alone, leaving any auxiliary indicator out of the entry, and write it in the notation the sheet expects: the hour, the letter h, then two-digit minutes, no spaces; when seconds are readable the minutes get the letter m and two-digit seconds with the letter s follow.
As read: 4h51
